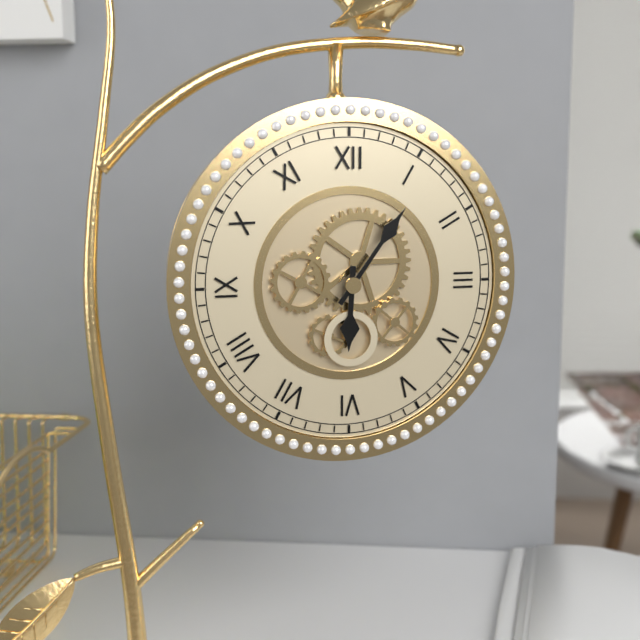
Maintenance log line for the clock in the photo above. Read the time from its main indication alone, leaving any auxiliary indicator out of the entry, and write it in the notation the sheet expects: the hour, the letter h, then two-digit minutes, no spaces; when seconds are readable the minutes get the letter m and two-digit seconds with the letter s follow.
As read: 6h06
